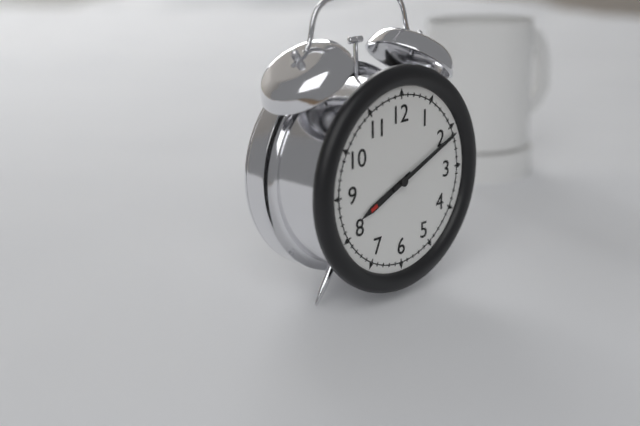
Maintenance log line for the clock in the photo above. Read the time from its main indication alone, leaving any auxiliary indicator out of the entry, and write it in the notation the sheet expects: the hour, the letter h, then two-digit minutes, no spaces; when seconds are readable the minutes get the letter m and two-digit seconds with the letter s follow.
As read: 8h11
